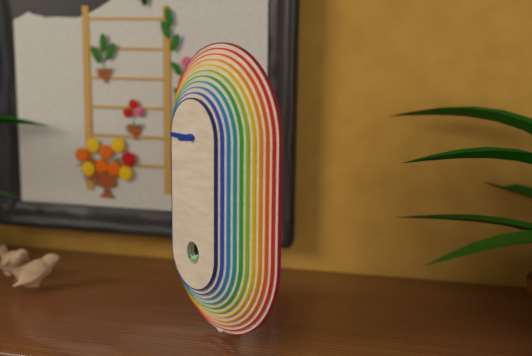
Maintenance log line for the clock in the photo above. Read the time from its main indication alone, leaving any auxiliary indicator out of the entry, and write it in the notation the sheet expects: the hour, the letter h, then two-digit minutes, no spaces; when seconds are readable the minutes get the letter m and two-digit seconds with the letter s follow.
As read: 8h45
